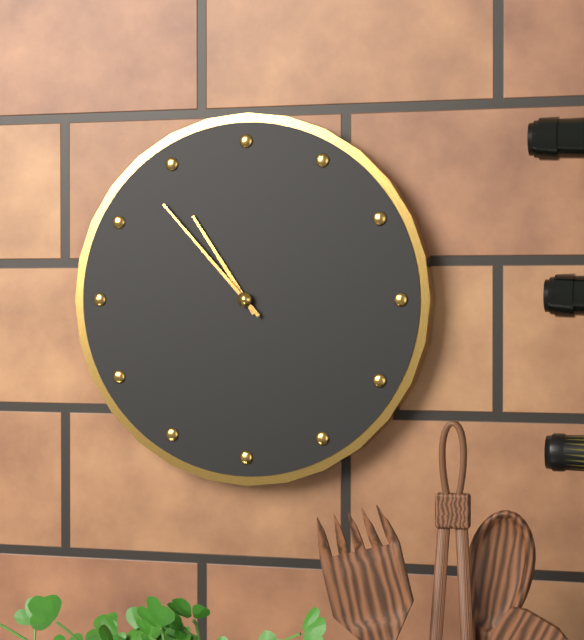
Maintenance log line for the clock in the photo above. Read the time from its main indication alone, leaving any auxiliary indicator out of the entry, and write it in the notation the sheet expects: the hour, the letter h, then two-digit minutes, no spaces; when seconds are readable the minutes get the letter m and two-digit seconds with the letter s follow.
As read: 10h53
